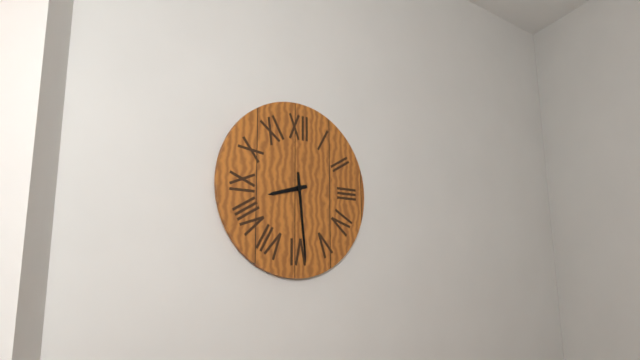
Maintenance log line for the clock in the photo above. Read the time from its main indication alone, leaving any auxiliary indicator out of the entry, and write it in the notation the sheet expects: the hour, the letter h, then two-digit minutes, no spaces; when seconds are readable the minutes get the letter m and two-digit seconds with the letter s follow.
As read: 8h29
